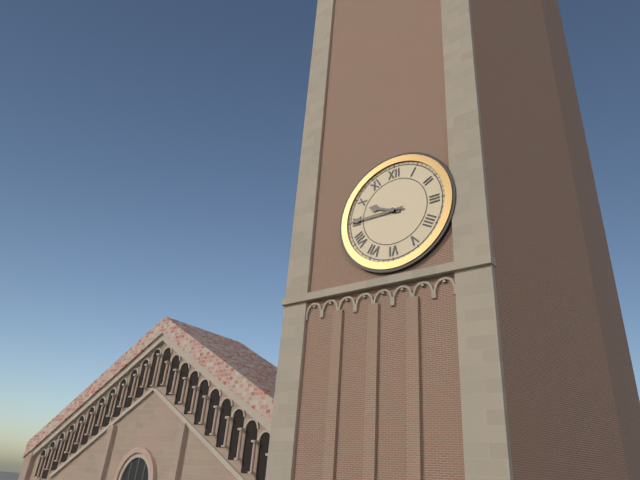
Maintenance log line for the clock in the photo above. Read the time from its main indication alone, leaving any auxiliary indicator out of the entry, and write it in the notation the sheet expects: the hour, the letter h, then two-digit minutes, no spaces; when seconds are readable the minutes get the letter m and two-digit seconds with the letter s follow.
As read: 9h45
